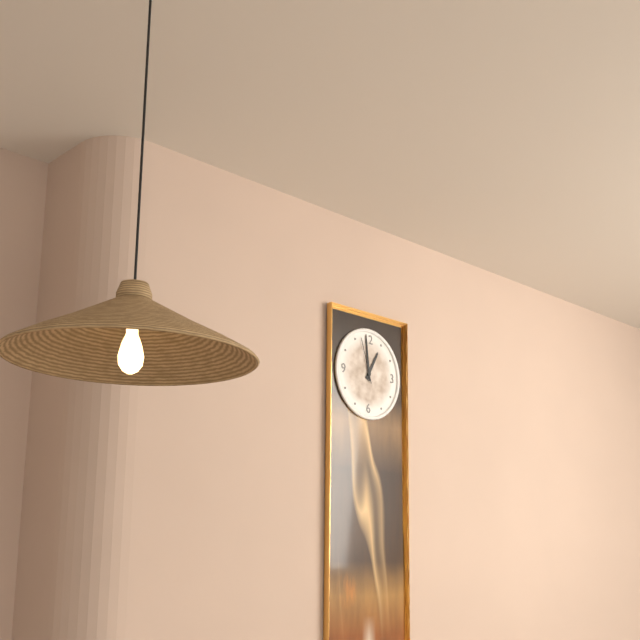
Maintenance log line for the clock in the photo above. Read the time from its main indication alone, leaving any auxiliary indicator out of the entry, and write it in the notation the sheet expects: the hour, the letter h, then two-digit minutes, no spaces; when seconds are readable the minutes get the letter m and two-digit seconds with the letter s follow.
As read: 12h59
